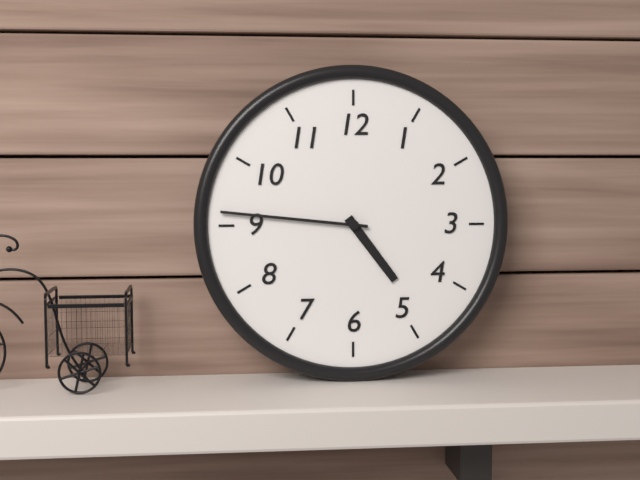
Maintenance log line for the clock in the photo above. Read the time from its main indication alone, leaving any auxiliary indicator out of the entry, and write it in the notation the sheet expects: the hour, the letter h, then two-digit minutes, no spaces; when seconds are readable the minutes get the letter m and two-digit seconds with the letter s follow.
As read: 4h46
